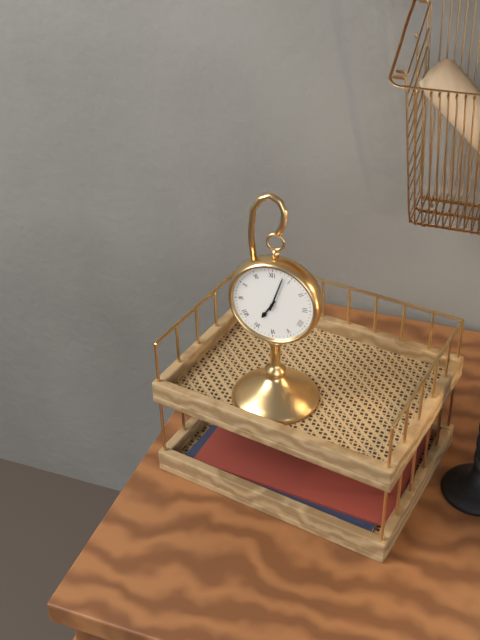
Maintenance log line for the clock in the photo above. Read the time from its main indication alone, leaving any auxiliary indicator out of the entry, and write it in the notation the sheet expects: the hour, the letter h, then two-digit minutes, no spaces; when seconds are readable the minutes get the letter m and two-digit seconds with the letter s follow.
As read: 7h03
